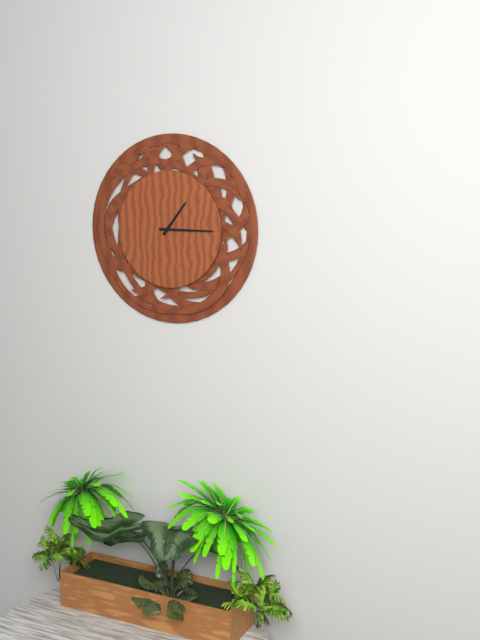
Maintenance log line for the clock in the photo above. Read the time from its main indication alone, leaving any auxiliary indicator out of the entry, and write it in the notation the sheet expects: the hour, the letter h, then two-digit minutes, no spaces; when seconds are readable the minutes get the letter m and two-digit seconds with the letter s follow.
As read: 1h15
